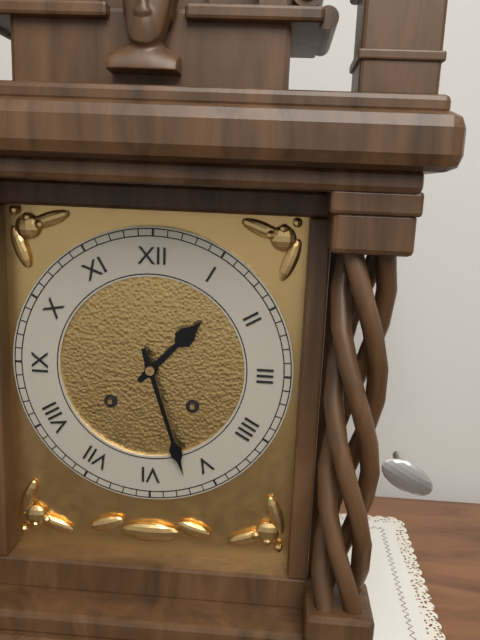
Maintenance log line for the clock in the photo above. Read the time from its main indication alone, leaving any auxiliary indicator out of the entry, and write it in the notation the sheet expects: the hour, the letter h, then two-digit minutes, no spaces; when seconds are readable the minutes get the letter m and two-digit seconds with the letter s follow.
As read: 1h27
